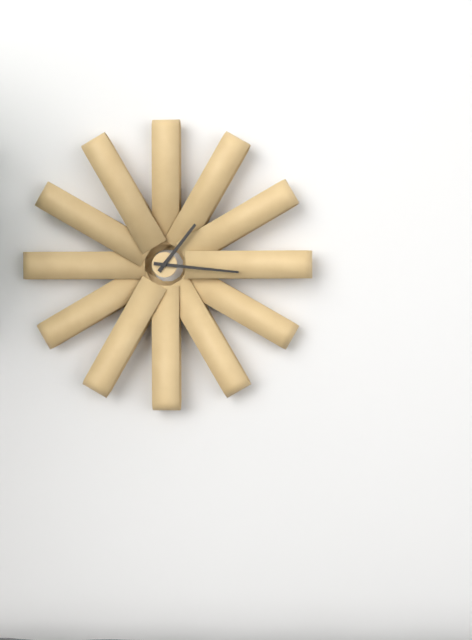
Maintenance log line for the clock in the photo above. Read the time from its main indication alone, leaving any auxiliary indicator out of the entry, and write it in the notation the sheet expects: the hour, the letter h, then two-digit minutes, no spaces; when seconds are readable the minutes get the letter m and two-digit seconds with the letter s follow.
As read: 1h16
